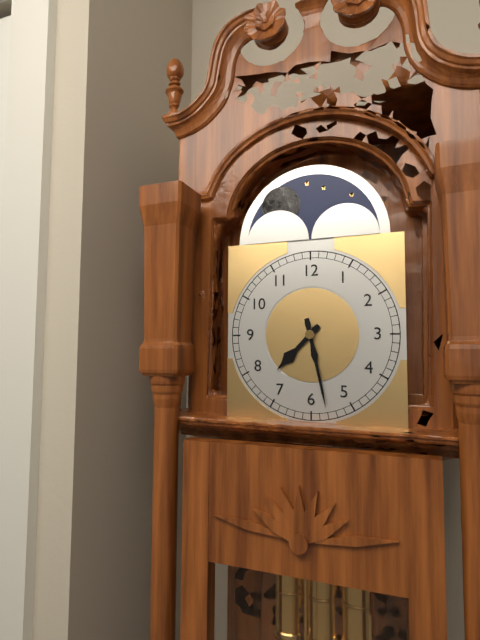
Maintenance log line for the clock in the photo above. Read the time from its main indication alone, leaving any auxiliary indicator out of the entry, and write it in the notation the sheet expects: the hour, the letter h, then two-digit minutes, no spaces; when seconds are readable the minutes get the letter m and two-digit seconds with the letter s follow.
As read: 7h28
